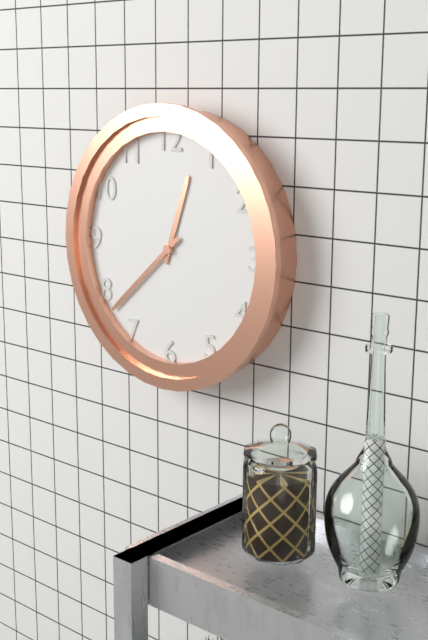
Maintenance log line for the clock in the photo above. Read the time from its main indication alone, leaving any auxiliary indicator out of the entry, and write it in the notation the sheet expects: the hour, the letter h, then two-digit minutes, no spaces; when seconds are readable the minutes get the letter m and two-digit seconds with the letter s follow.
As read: 12h38
